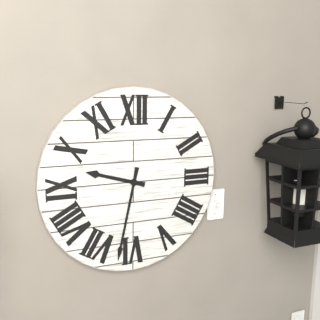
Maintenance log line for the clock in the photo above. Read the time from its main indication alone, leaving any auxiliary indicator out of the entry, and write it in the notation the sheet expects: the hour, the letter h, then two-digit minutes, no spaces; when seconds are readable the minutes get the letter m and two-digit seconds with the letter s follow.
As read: 9h32
